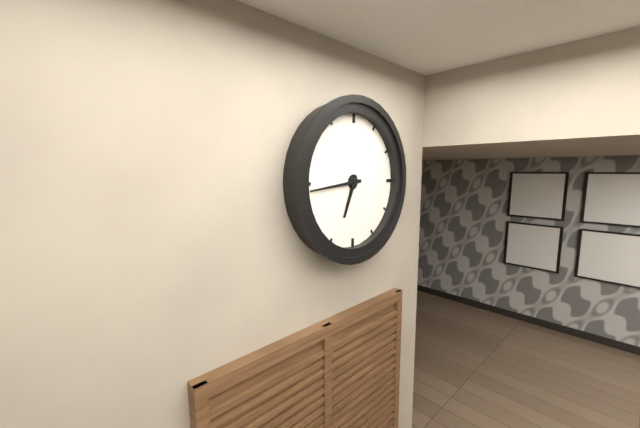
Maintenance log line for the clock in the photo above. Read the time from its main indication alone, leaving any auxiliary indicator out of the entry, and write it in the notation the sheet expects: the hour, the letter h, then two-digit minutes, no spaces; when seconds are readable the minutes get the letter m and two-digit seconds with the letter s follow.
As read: 6h44
